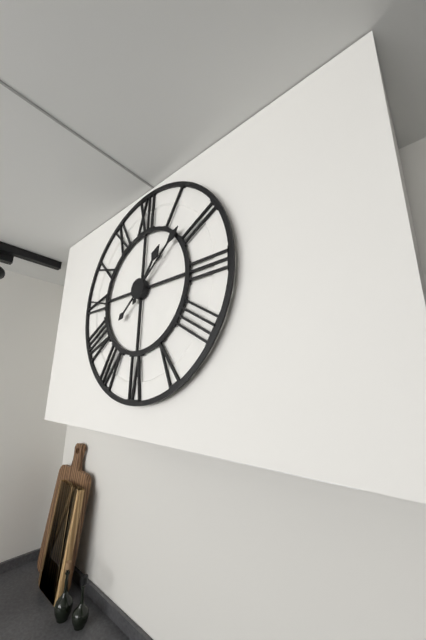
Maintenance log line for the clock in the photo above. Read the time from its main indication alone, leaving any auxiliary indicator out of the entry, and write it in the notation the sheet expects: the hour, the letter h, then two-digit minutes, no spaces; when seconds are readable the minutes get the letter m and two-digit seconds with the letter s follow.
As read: 1h08
